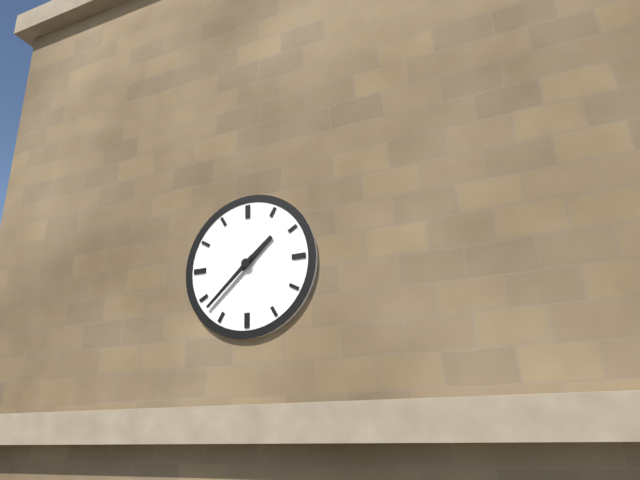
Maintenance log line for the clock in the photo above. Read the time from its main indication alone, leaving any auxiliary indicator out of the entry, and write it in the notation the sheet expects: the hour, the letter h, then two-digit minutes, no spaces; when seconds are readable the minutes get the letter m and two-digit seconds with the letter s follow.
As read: 1h38
